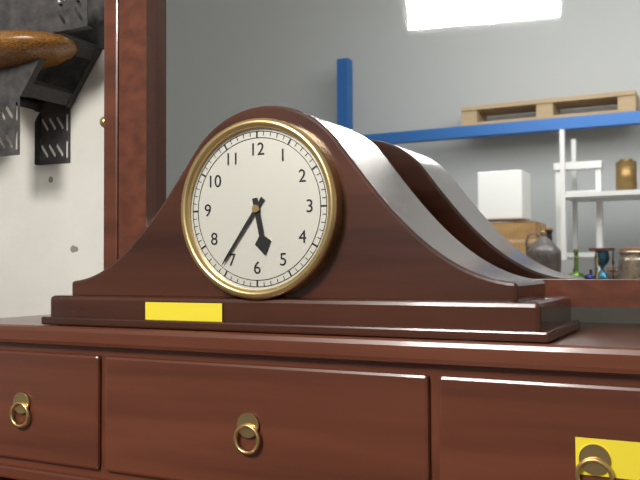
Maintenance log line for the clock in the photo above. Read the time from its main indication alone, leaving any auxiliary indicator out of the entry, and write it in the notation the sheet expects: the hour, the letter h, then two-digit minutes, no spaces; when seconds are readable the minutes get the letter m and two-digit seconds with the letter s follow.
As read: 5h36
